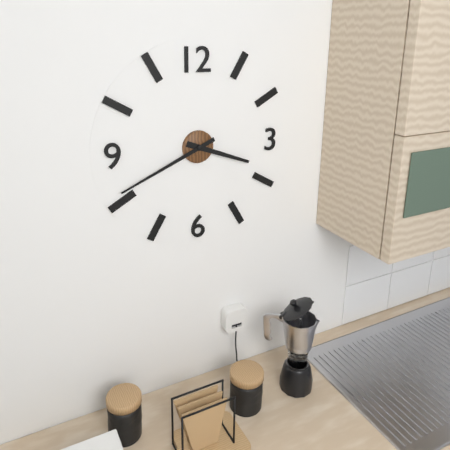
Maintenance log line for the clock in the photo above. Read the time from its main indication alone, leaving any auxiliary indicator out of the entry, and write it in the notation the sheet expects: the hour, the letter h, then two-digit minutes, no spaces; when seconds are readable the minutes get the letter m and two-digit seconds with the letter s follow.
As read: 3h41
